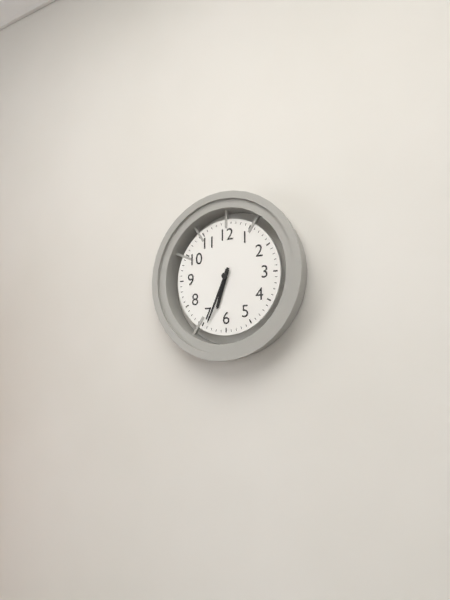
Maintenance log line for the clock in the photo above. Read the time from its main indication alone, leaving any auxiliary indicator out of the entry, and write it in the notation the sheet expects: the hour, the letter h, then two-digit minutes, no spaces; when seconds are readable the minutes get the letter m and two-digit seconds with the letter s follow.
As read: 6h34
